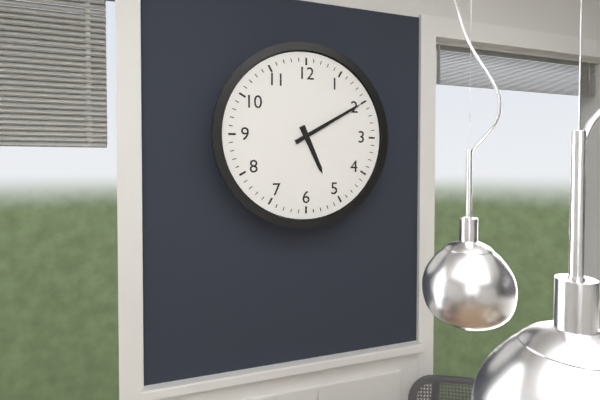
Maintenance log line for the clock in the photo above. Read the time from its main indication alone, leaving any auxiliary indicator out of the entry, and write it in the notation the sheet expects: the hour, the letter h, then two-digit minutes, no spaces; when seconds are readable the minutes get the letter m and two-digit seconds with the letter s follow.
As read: 5h10
